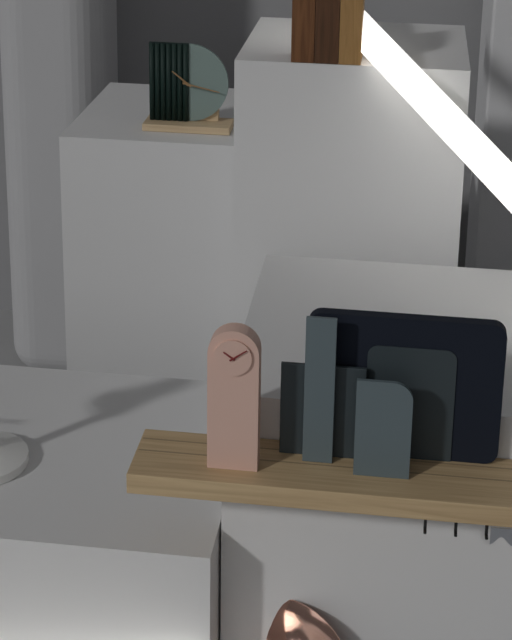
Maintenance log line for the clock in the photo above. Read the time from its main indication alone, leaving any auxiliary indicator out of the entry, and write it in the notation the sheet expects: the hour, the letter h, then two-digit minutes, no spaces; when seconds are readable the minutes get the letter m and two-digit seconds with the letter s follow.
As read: 10h17
